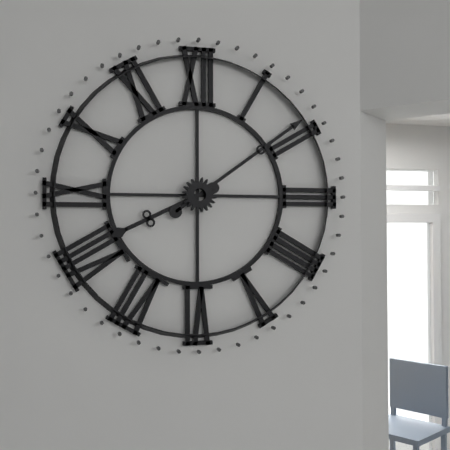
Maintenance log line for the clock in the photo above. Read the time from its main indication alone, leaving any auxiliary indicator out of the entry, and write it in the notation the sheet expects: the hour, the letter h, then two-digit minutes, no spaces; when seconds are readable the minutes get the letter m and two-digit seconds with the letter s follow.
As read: 8h09
